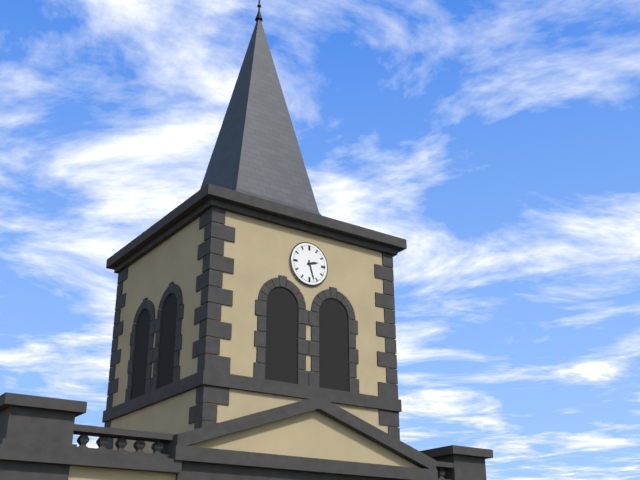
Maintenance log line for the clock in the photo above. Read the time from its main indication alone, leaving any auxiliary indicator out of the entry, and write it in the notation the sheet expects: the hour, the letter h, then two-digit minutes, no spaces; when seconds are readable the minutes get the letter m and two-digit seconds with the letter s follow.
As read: 2h27
